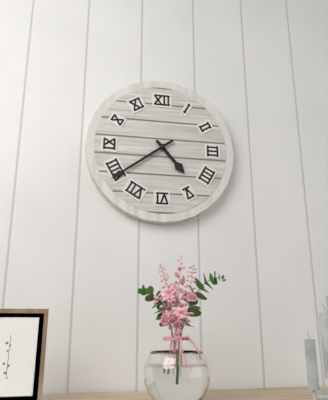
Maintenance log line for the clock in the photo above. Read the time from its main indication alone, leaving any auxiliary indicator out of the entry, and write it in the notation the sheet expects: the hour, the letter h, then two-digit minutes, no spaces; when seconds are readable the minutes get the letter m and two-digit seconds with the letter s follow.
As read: 4h39
